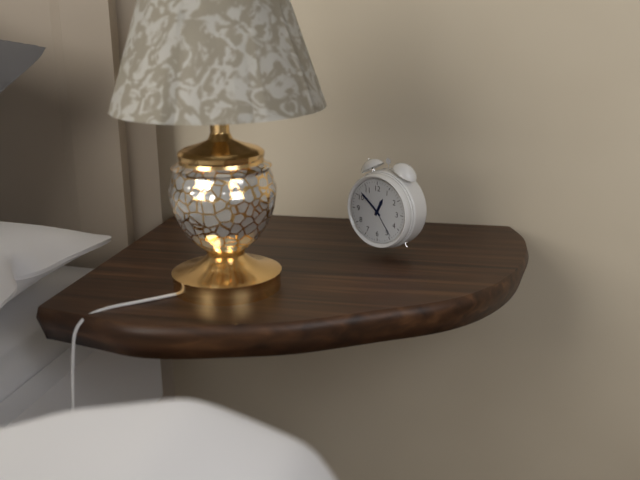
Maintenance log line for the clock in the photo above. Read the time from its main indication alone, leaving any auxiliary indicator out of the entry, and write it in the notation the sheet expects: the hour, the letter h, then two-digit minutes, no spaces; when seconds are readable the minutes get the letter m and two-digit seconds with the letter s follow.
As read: 12h52
